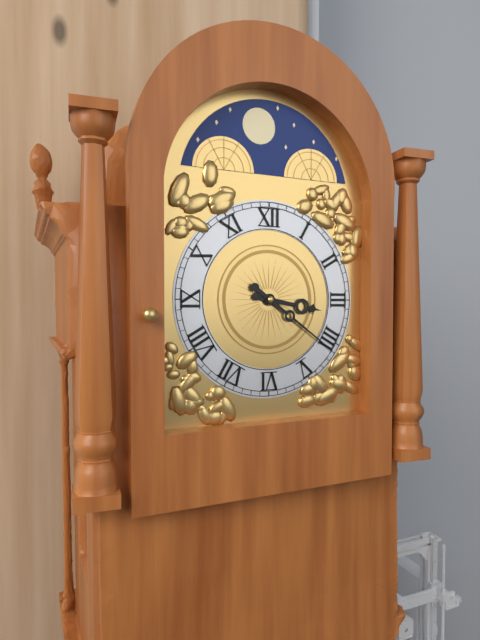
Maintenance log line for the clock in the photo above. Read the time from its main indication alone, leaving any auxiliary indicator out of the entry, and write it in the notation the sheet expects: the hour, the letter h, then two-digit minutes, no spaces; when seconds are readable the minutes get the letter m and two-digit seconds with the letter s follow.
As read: 3h21
